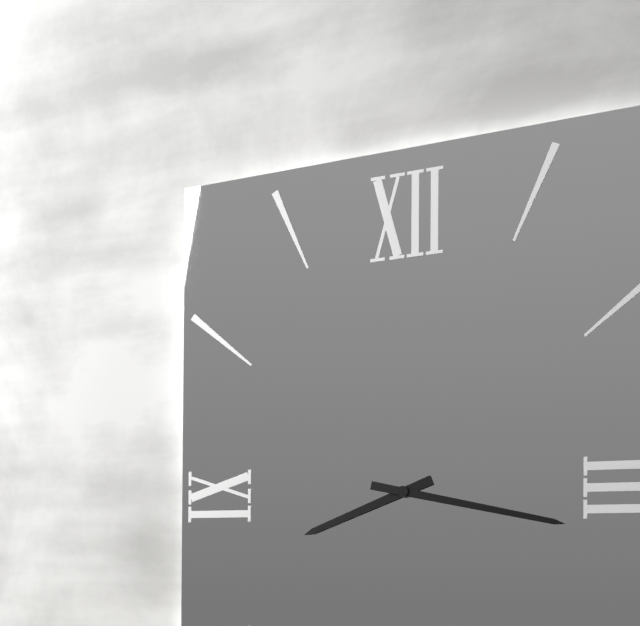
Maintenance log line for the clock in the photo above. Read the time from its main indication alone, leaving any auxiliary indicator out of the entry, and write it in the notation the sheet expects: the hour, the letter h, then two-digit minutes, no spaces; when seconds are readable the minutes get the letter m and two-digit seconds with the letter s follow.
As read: 8h17
